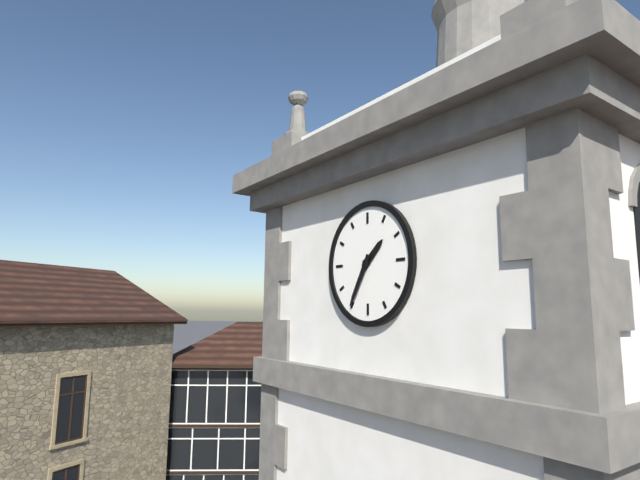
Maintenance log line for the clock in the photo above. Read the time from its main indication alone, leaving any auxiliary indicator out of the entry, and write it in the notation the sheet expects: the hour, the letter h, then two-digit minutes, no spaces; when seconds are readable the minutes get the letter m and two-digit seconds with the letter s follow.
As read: 1h35
